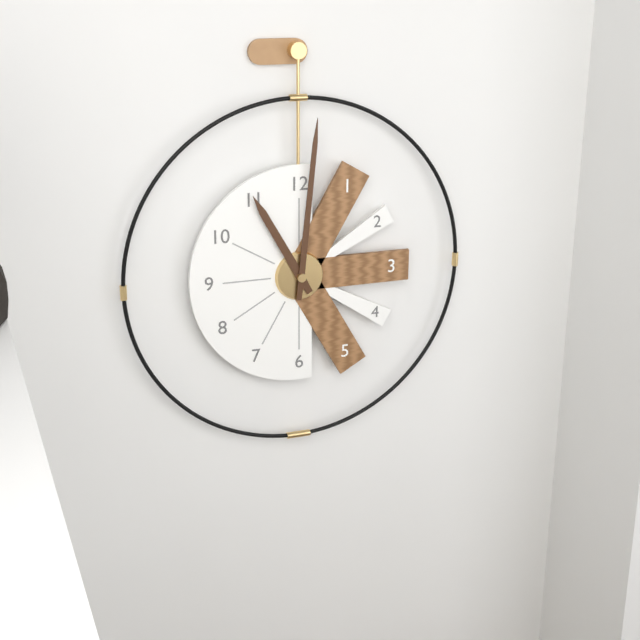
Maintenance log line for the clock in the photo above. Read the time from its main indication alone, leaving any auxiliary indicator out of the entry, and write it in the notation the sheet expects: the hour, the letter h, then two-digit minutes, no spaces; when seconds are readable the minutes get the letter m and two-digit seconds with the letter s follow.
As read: 11h01
